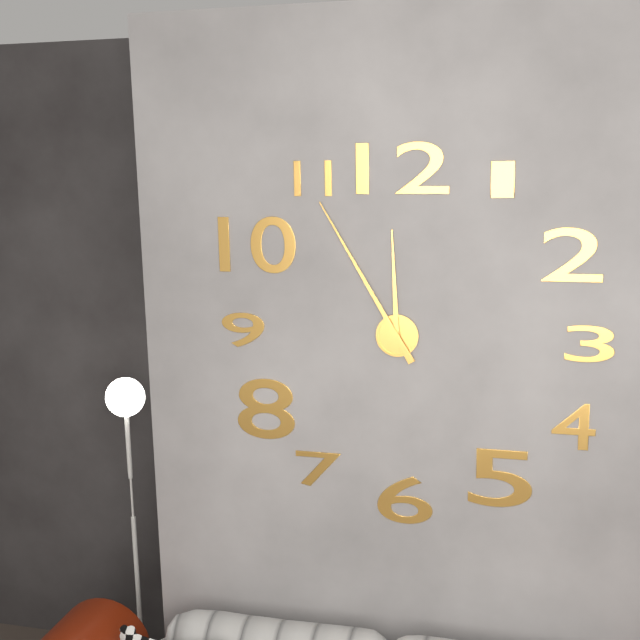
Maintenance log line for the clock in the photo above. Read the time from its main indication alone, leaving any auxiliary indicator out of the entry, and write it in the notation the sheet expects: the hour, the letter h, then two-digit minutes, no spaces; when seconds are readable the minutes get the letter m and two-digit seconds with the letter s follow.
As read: 11h55
